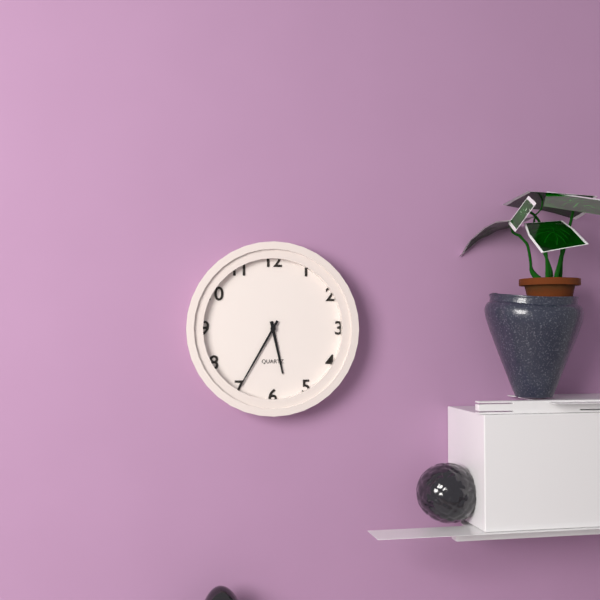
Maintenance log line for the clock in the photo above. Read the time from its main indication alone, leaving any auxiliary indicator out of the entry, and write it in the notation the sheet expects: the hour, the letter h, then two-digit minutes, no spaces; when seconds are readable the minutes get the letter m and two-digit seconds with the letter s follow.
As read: 5h35
